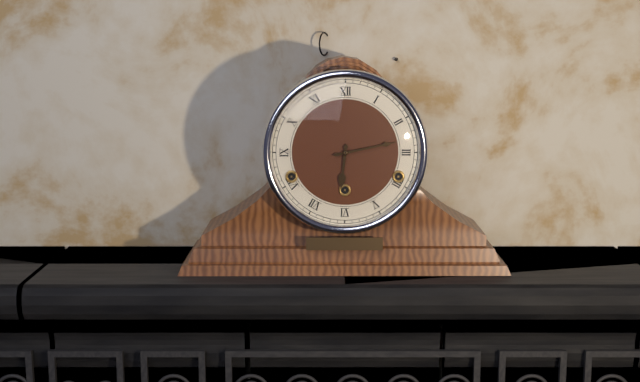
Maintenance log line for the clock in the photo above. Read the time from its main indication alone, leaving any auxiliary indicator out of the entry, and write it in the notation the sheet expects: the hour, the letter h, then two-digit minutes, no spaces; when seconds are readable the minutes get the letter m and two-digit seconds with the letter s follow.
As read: 6h13
